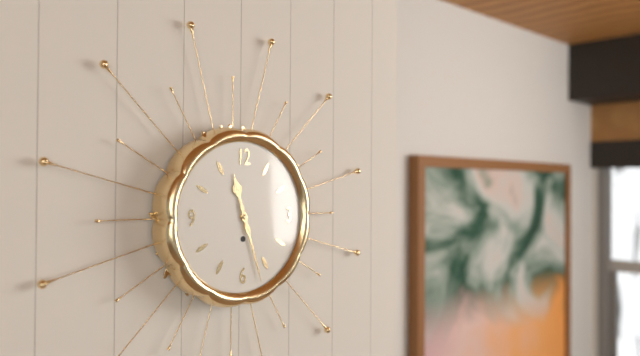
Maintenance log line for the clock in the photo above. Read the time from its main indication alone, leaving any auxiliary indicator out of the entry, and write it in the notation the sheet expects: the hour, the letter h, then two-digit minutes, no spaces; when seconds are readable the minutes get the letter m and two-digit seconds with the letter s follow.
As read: 11h27
